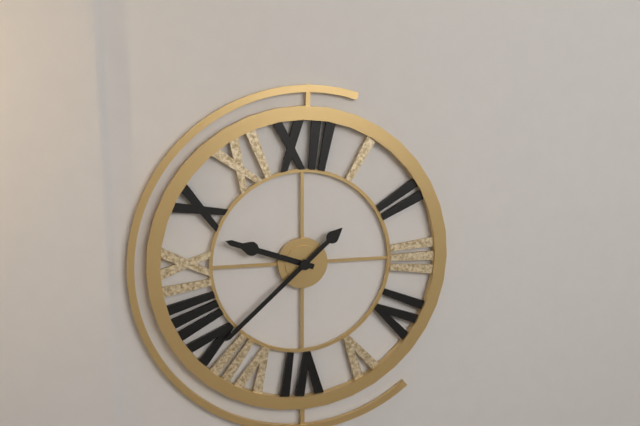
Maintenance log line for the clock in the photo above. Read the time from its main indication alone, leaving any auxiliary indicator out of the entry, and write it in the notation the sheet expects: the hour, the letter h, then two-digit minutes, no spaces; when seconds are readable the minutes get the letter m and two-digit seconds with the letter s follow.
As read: 9h38
